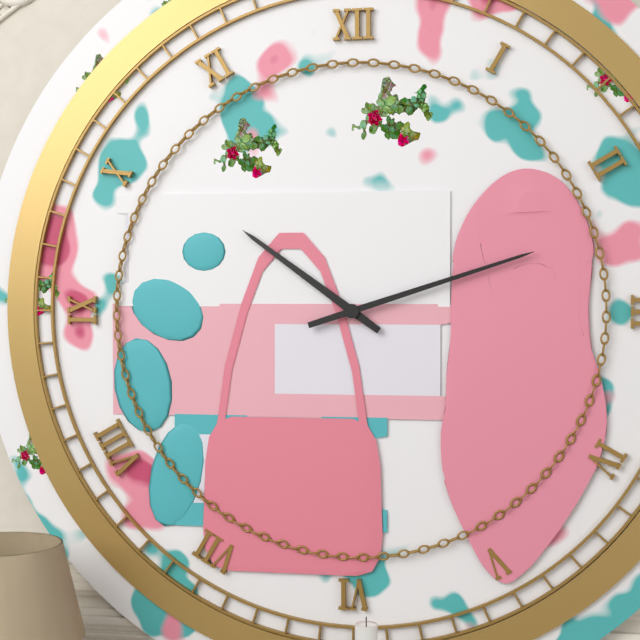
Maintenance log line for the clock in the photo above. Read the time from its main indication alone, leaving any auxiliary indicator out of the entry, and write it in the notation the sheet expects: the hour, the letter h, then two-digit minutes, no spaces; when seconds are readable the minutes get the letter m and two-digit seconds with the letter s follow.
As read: 10h12
